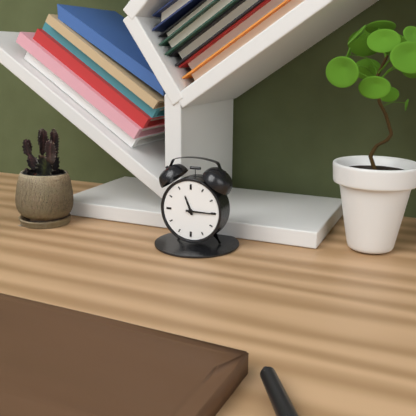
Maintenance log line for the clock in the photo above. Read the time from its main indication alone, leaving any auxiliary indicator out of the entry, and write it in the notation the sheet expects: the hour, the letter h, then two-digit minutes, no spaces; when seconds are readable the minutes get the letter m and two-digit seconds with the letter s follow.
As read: 11h15
